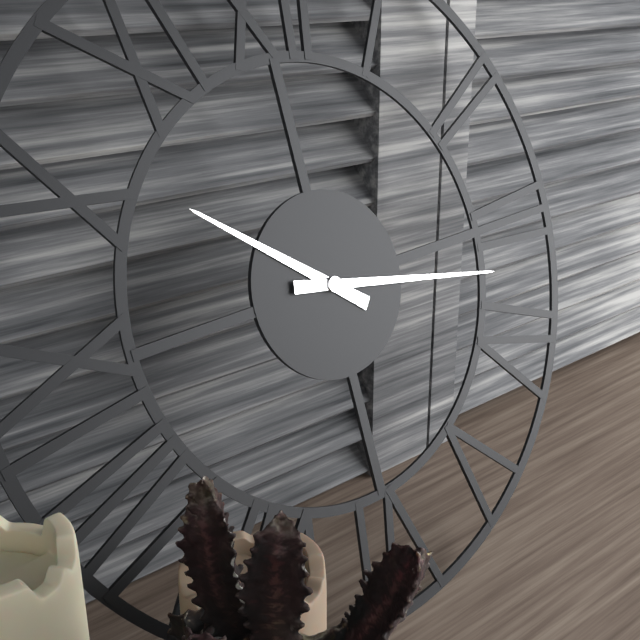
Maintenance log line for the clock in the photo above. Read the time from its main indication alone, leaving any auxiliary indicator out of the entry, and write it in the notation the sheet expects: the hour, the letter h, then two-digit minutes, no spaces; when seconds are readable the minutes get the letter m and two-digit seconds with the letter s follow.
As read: 10h17
